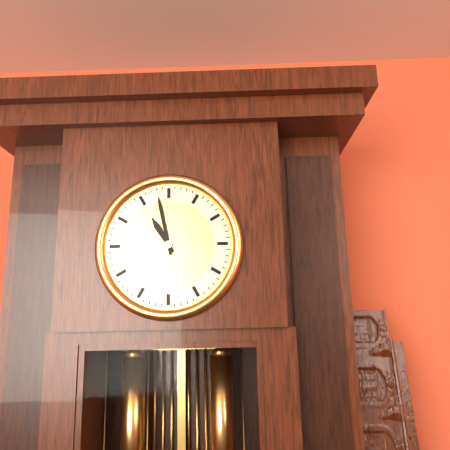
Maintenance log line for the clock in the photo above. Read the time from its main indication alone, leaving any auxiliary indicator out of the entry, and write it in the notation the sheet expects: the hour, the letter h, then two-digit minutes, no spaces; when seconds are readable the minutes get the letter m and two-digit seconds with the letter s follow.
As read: 10h58
